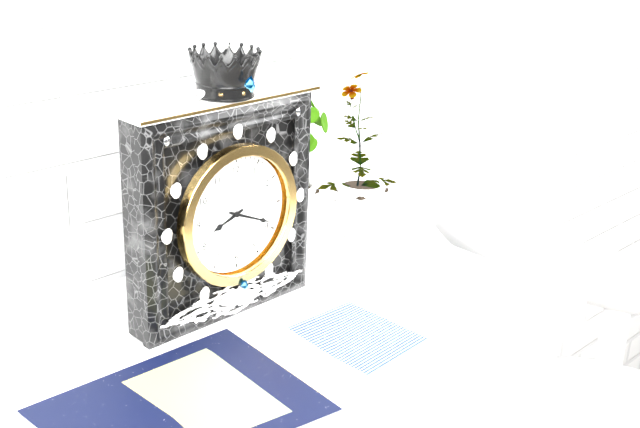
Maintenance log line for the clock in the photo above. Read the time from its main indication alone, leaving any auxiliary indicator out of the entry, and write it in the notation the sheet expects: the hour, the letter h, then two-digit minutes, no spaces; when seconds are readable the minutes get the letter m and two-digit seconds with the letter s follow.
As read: 8h19
